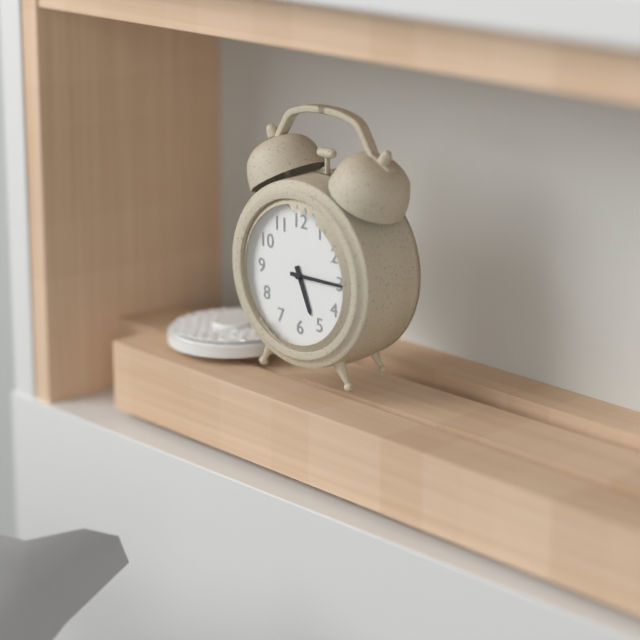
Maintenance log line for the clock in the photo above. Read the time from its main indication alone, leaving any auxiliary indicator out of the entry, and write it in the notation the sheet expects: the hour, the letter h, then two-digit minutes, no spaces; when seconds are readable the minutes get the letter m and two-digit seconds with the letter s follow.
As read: 5h15
